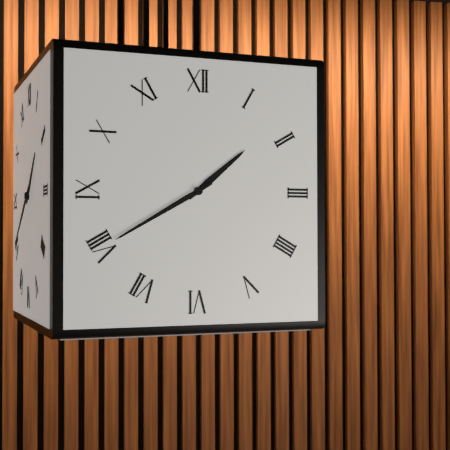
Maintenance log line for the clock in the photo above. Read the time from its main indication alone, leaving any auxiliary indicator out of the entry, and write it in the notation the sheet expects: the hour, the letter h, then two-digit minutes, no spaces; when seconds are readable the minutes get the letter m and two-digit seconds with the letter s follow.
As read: 1h40
